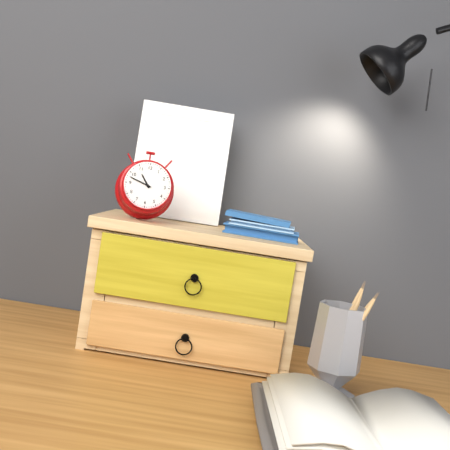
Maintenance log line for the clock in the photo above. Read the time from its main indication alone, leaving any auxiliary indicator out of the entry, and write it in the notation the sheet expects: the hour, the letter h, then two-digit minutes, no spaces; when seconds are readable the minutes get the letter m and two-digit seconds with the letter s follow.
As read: 10h48
